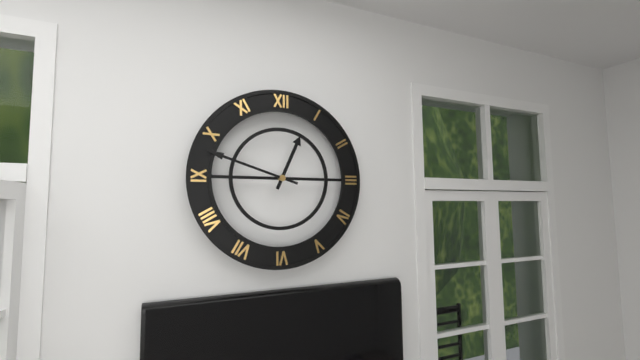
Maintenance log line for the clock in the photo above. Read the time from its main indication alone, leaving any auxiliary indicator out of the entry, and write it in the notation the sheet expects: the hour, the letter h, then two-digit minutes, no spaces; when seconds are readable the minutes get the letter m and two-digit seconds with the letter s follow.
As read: 12h48
